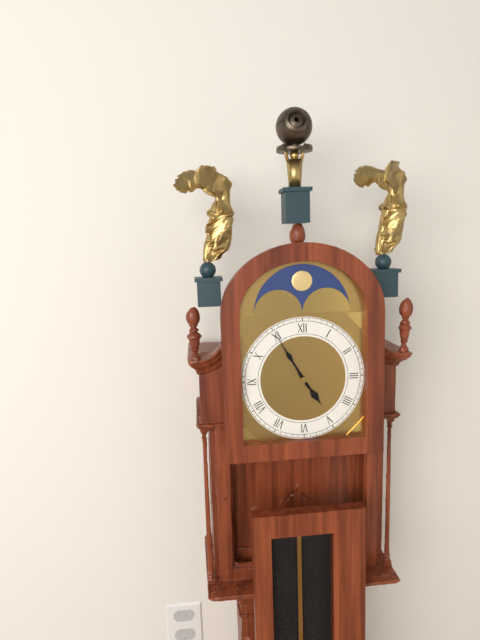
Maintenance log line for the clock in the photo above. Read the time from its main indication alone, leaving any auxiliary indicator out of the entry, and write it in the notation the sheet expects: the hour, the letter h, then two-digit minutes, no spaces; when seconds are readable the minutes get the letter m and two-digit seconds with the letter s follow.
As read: 4h55
